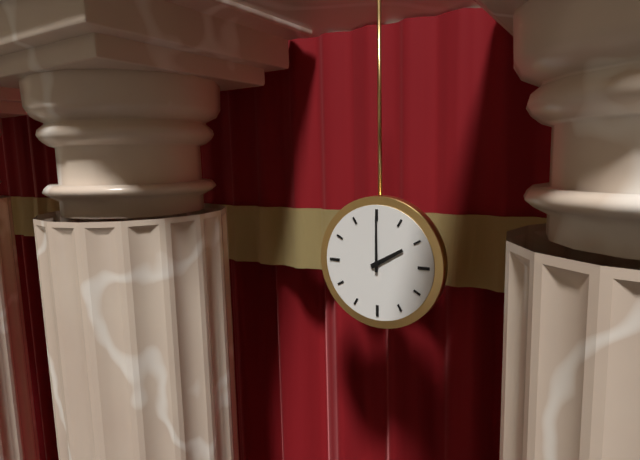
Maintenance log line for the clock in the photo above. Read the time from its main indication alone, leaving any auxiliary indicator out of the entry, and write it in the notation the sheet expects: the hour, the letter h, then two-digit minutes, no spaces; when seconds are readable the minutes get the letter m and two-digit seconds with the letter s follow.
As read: 2h00
